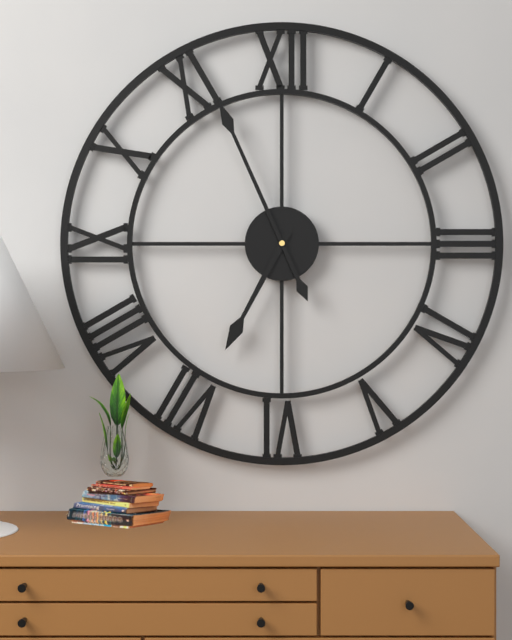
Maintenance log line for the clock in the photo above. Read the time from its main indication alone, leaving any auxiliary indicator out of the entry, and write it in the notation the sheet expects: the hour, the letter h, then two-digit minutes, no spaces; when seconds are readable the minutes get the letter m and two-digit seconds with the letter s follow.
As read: 6h56
